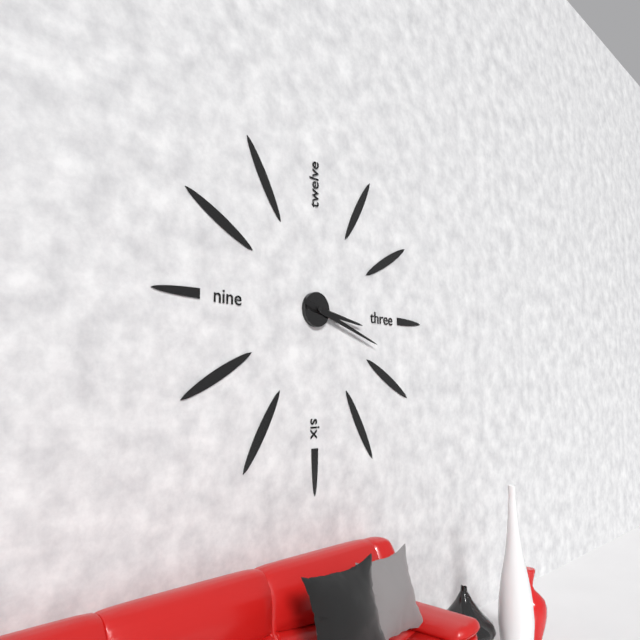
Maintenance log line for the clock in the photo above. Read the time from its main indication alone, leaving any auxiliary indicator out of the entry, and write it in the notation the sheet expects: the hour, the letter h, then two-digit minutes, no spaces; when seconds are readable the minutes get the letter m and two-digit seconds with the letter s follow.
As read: 3h18
